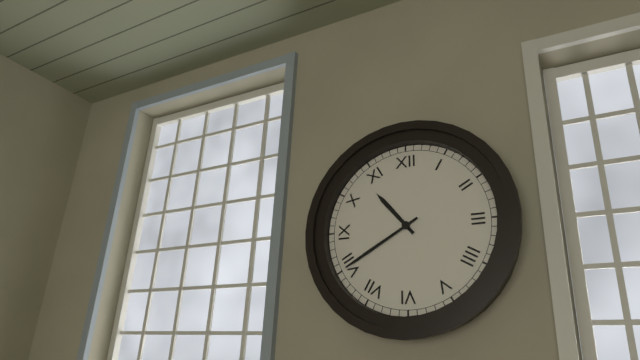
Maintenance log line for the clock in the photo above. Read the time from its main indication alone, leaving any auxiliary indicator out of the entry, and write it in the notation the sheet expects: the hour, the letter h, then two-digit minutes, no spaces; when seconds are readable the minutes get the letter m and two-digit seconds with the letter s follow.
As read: 10h40
